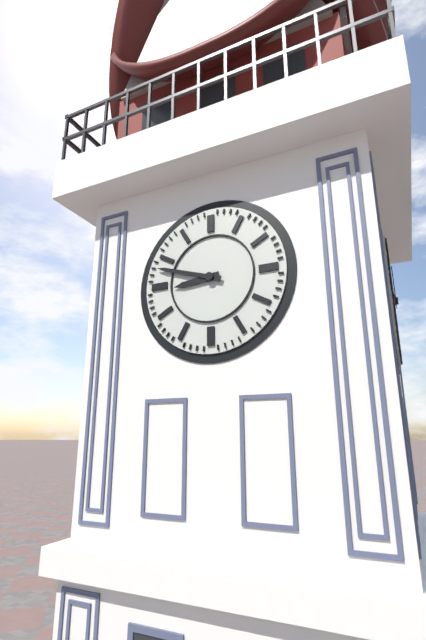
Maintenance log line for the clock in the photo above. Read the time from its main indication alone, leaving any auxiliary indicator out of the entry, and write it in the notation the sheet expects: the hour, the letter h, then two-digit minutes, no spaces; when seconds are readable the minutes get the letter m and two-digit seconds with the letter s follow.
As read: 8h48
